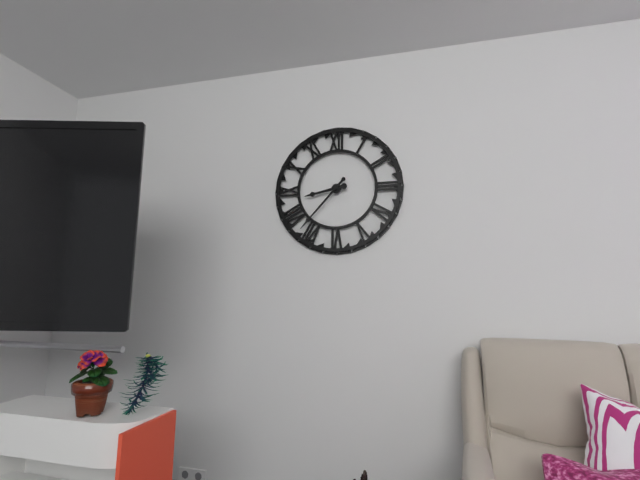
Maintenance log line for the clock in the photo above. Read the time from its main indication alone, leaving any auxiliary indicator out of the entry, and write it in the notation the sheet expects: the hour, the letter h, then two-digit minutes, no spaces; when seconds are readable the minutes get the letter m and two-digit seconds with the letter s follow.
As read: 8h37
